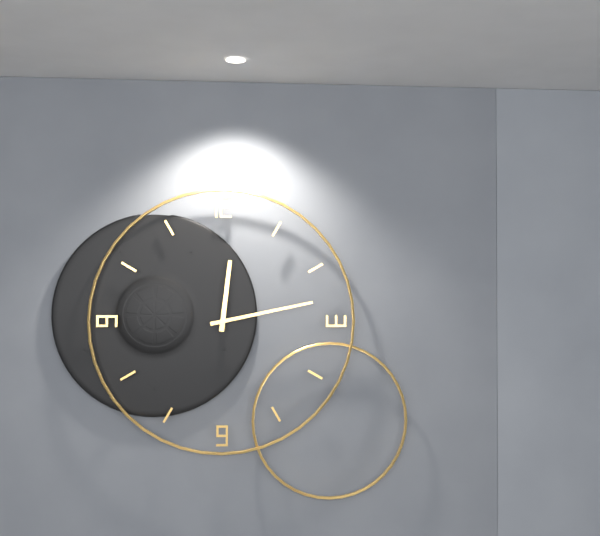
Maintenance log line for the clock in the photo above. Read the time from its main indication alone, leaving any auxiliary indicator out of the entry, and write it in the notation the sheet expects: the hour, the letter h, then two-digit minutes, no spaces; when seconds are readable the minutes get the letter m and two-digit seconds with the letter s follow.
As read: 12h13
